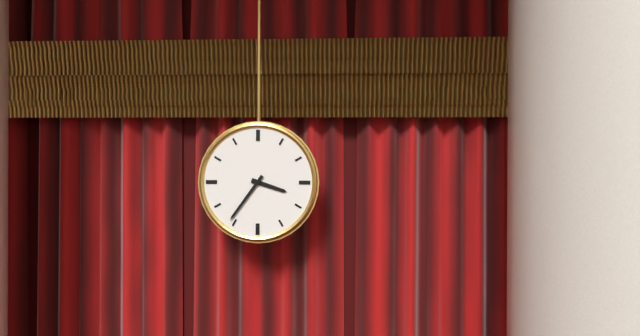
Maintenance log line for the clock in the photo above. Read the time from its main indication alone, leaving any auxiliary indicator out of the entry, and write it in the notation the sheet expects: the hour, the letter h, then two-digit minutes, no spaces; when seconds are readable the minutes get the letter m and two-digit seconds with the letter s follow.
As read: 3h36
